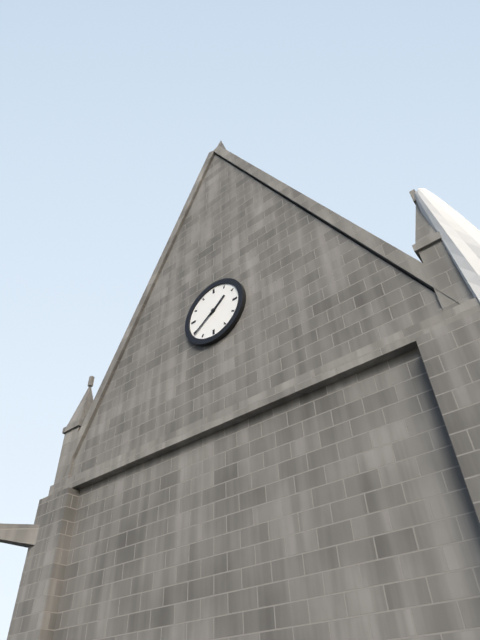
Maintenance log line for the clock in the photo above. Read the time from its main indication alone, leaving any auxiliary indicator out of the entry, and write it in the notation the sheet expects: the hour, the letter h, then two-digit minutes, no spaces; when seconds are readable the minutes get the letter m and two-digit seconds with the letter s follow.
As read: 1h39
